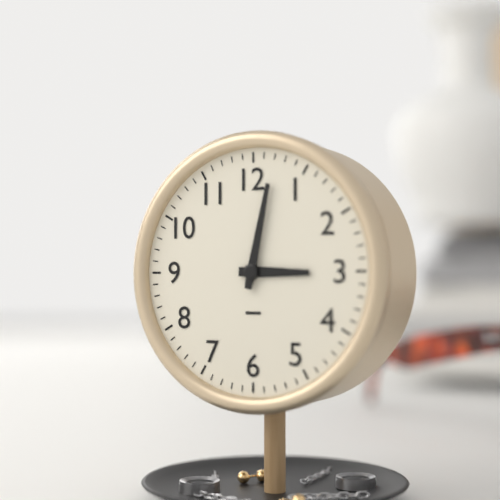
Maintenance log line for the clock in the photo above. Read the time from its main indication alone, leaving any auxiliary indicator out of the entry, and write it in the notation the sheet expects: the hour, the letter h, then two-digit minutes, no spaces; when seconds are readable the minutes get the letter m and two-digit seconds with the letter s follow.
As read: 3h02
